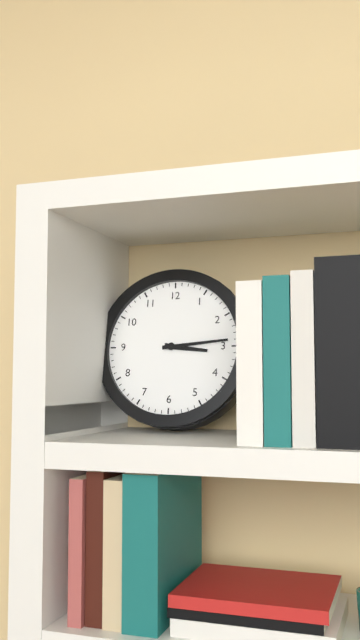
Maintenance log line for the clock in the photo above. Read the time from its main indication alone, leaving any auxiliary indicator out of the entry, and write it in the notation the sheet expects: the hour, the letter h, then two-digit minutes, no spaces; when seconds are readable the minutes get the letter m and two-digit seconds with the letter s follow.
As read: 3h14
